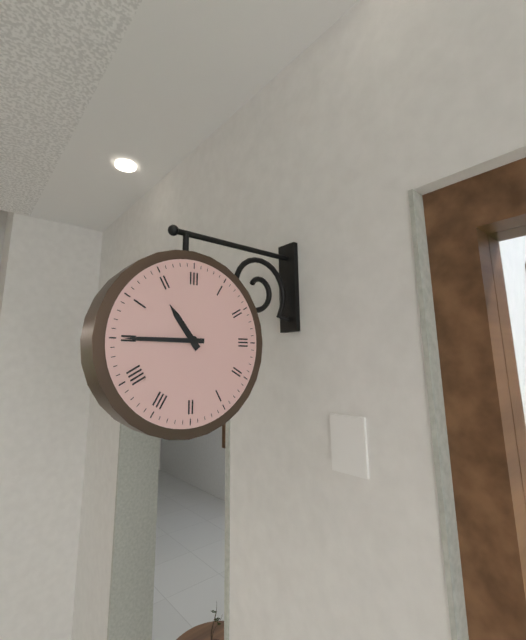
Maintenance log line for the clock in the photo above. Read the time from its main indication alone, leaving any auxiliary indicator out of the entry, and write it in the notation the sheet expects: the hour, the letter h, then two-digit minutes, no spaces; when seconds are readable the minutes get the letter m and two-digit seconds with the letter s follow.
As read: 10h45
